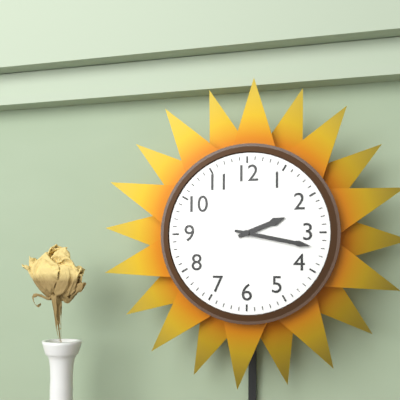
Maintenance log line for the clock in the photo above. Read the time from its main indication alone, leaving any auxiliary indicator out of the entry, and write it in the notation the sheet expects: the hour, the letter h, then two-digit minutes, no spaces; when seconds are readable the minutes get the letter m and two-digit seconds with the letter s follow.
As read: 2h17
